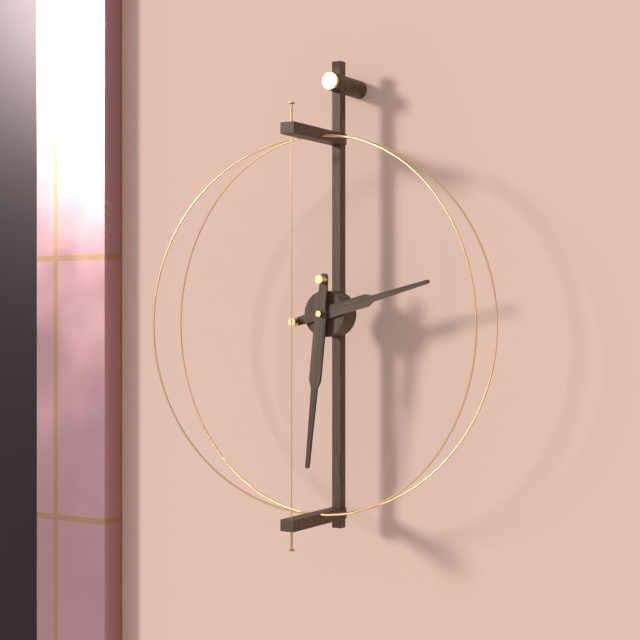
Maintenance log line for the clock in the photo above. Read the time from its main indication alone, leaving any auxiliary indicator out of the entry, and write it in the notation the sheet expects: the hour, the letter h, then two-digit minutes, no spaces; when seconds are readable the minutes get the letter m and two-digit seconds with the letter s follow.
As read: 2h31
